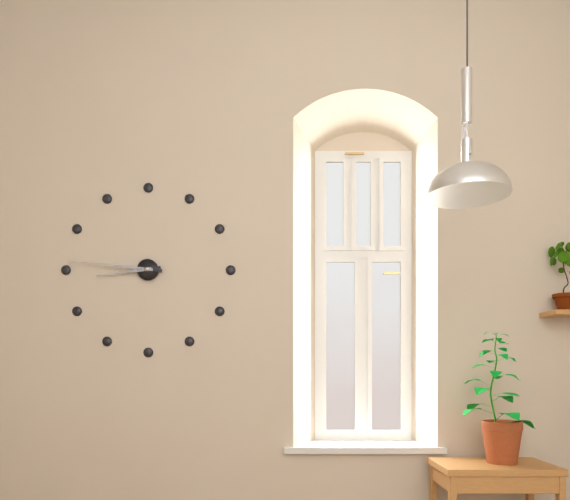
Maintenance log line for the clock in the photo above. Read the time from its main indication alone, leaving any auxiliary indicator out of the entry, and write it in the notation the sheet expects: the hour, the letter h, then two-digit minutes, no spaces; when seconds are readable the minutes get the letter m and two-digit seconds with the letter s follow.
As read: 8h46
